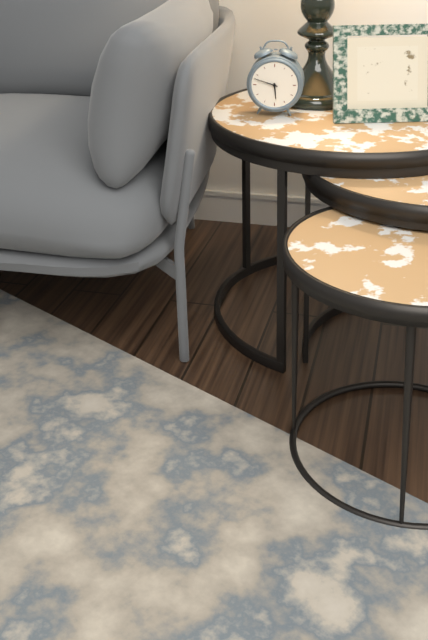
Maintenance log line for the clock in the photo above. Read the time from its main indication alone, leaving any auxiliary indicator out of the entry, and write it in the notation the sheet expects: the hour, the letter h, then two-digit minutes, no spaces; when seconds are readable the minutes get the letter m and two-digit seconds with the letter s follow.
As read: 5h48
